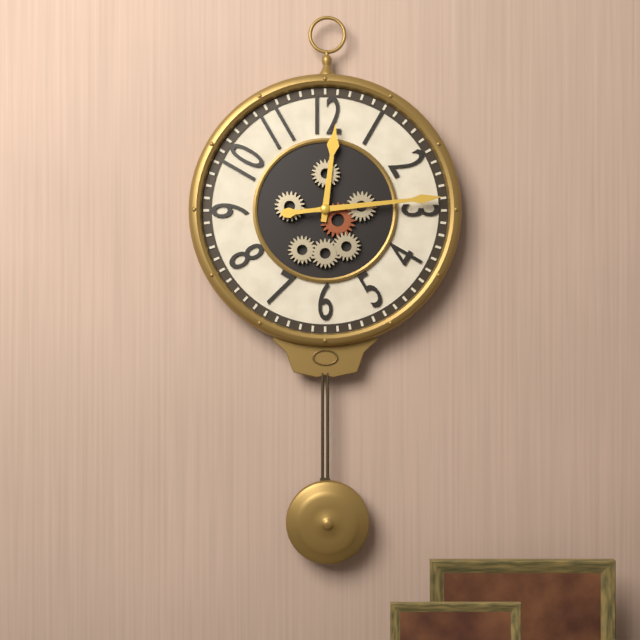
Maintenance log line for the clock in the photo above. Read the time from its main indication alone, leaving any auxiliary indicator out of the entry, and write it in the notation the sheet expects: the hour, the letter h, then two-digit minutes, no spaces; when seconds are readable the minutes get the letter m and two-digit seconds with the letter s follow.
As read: 12h14
